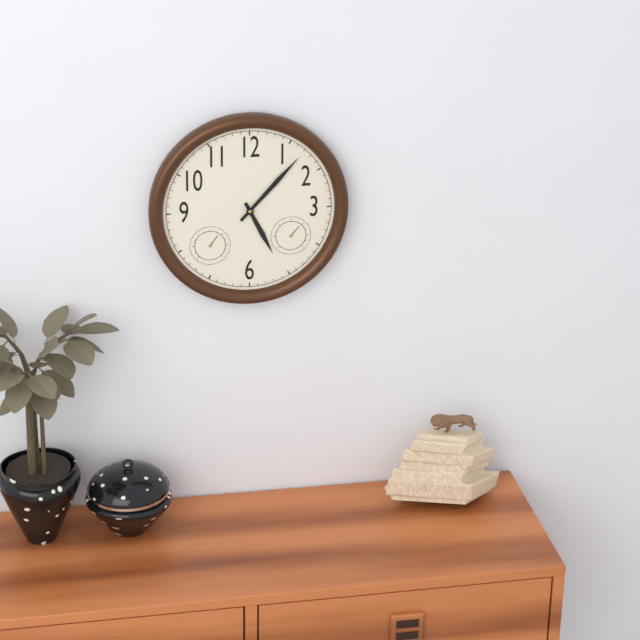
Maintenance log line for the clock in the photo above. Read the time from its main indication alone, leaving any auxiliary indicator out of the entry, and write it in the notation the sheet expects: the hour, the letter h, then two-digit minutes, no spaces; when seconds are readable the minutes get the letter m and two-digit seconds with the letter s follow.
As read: 5h07
